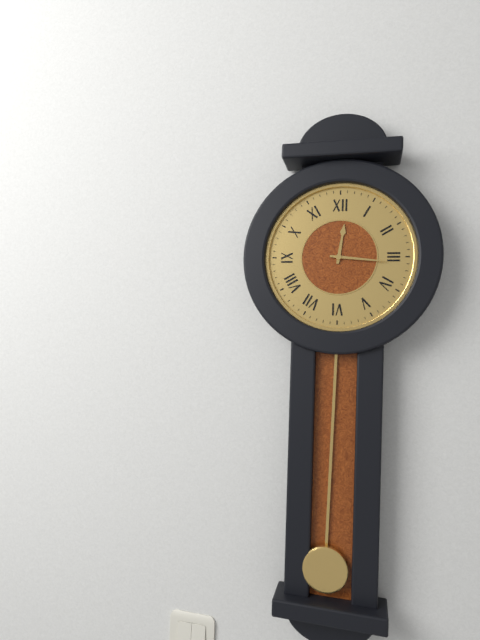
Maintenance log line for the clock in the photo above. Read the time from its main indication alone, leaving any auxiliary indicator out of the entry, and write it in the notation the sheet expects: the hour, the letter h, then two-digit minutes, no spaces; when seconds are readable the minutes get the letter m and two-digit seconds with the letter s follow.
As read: 12h16
